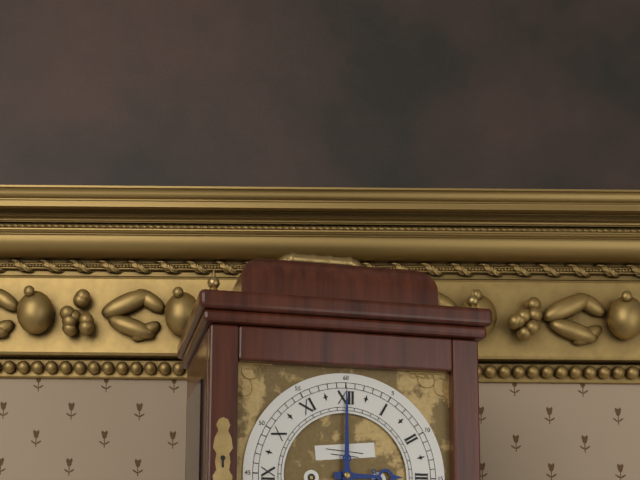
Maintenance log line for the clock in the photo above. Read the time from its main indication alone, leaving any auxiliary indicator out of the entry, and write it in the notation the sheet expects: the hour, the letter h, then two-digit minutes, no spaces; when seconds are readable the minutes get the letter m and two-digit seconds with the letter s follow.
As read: 3h00
